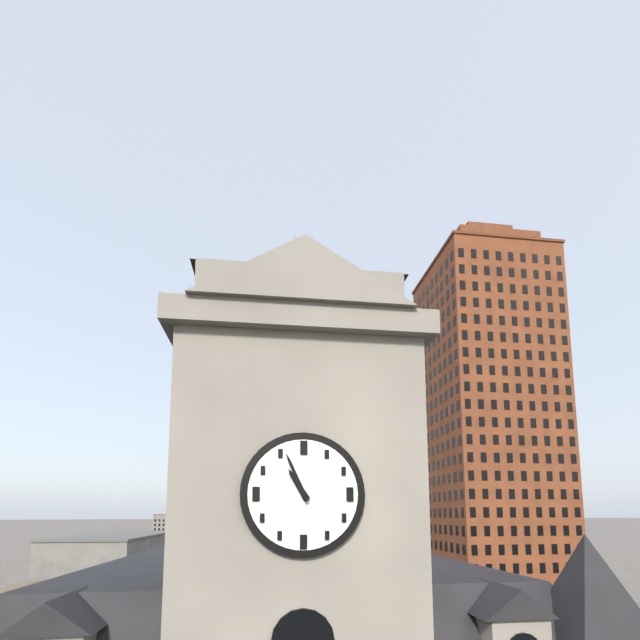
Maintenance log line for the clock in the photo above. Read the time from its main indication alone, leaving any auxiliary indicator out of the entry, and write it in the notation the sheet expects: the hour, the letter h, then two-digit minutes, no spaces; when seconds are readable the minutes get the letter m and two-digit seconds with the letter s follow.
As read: 10h56
